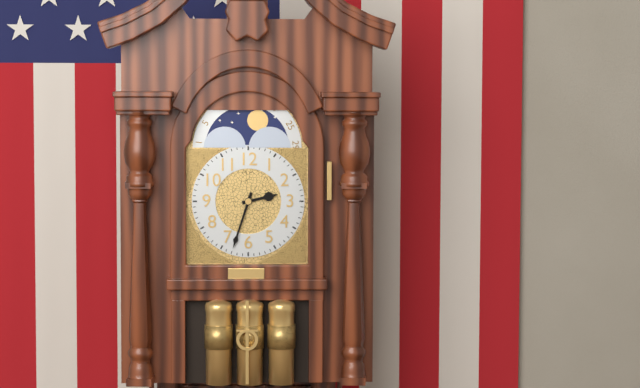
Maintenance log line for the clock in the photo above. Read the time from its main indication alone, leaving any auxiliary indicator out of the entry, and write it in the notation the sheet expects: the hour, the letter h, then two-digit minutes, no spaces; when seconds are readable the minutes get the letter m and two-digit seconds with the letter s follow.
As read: 2h33
